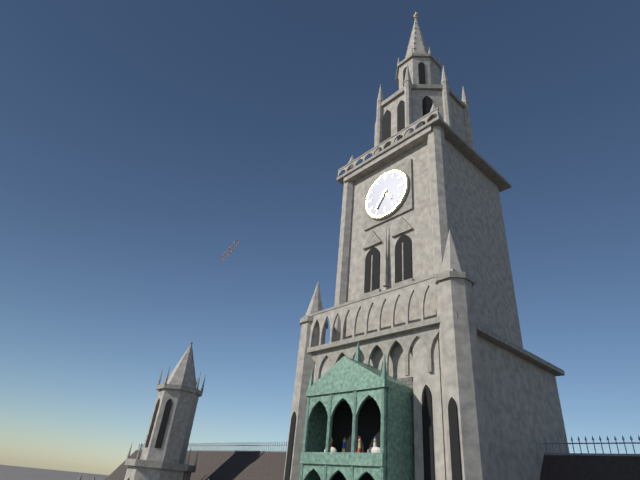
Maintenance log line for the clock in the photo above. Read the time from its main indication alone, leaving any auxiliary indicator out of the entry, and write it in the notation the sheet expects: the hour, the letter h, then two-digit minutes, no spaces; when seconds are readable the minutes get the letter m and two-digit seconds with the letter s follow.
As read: 4h36
